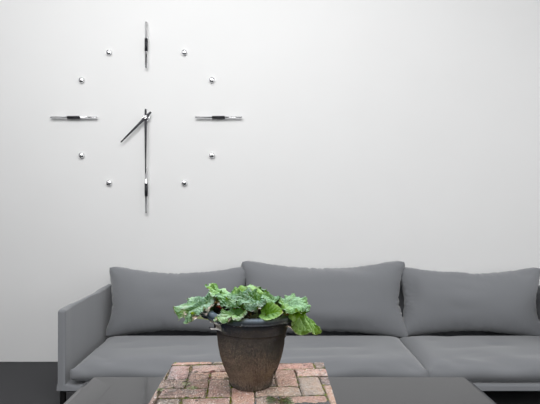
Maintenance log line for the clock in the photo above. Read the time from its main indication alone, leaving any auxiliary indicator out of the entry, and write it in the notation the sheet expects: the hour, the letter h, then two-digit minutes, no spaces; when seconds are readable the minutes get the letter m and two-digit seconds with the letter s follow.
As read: 7h30
